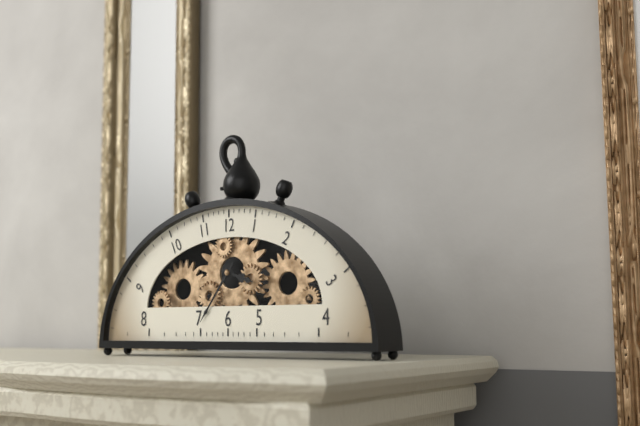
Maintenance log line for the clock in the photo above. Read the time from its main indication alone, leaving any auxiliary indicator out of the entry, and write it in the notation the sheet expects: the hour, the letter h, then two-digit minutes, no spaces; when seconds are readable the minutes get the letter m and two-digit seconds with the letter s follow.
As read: 3h36
